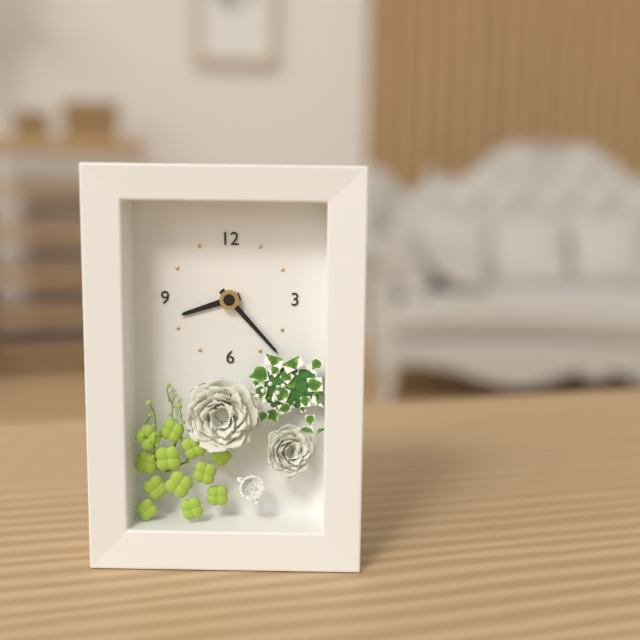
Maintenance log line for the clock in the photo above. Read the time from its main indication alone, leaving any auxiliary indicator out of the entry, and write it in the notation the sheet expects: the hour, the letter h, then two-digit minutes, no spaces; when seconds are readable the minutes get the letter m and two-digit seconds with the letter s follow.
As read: 8h23
